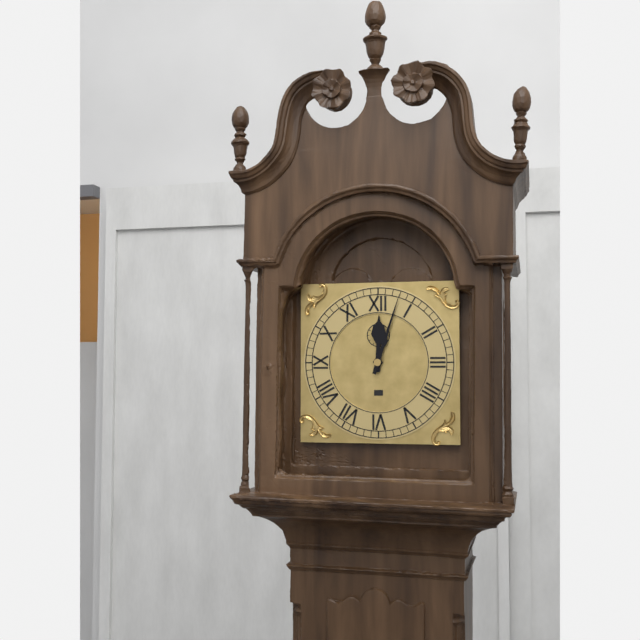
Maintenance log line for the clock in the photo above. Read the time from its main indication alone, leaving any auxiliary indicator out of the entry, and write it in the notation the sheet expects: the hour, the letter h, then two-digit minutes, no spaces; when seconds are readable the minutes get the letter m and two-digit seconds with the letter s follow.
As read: 12h03
